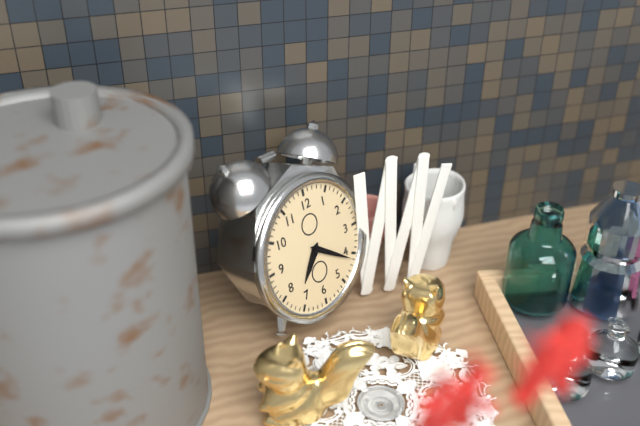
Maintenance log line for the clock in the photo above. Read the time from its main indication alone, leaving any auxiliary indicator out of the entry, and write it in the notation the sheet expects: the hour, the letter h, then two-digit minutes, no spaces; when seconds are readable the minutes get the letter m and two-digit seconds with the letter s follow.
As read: 7h21
